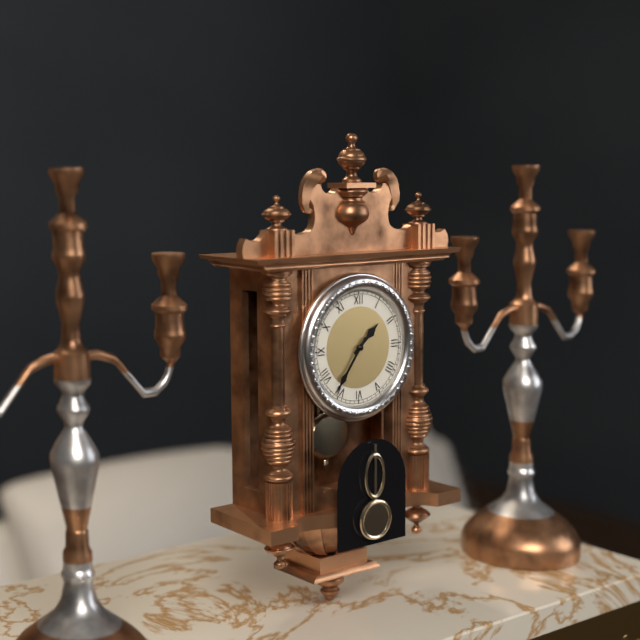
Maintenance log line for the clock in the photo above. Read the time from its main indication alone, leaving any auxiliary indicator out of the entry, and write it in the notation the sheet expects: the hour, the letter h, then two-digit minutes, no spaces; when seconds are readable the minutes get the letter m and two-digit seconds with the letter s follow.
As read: 1h36
